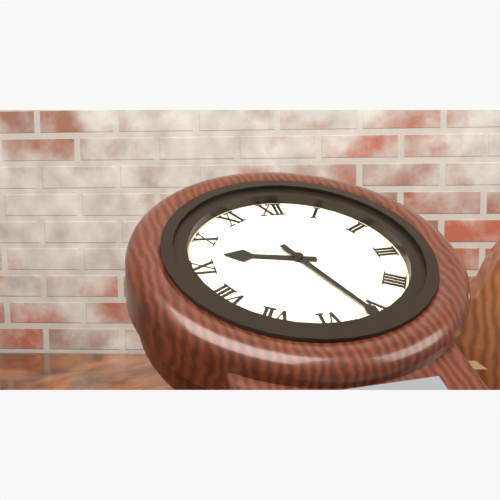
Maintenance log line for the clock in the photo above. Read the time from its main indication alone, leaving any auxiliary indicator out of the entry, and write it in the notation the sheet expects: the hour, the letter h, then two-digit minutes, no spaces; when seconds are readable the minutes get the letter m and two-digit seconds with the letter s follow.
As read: 9h26
